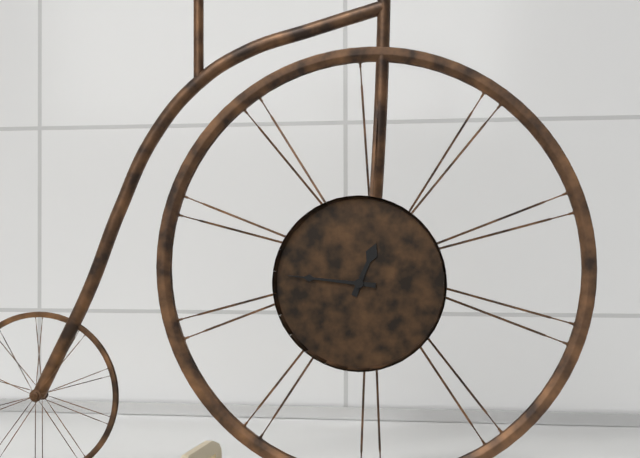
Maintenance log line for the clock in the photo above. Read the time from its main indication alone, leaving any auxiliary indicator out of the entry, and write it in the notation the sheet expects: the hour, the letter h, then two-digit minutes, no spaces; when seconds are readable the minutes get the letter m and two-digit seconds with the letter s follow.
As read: 12h46
